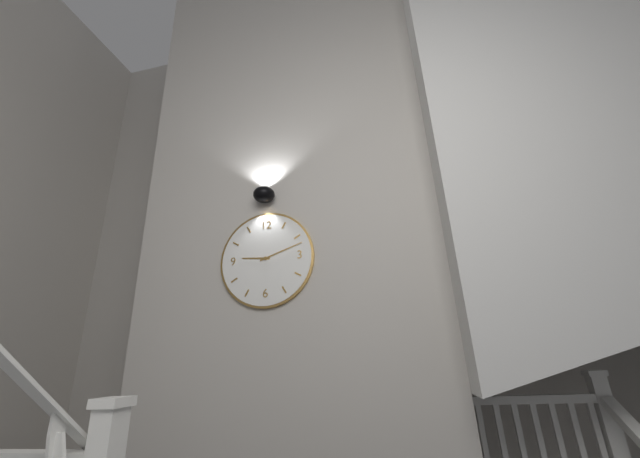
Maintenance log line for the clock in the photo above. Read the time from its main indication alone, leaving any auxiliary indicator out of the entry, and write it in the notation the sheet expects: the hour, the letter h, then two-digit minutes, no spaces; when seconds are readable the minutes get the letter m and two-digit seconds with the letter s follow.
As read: 9h12
